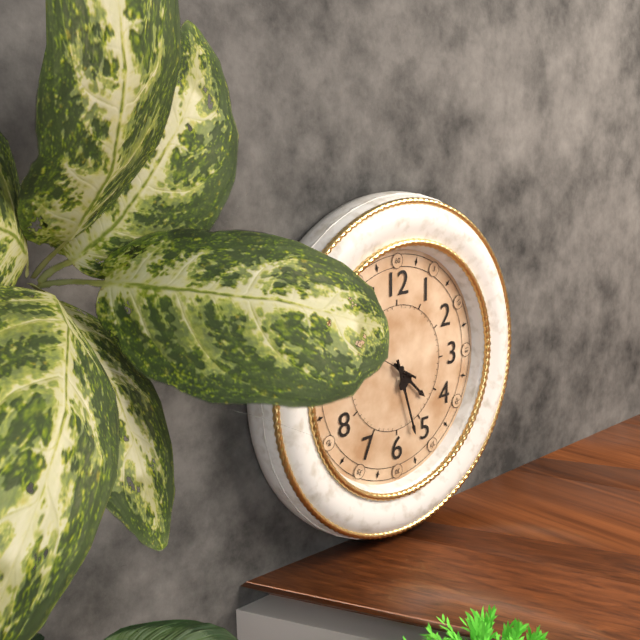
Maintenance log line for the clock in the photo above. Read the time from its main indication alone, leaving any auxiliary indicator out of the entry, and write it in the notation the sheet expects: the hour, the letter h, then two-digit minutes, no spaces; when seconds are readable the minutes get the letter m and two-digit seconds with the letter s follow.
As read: 4h27
